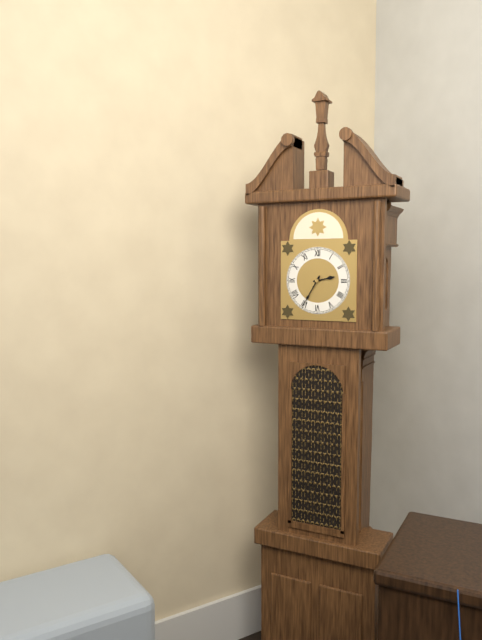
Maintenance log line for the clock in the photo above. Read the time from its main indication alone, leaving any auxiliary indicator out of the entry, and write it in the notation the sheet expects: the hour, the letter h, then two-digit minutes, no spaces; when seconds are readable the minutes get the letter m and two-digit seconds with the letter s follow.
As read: 2h35
